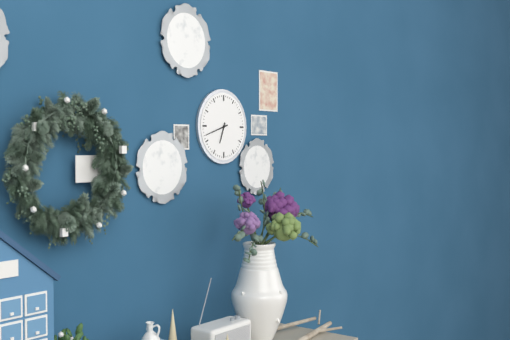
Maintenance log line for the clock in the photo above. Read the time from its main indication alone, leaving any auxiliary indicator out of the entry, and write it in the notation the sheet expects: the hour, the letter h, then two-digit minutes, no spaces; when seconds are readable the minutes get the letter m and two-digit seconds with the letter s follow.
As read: 6h42
